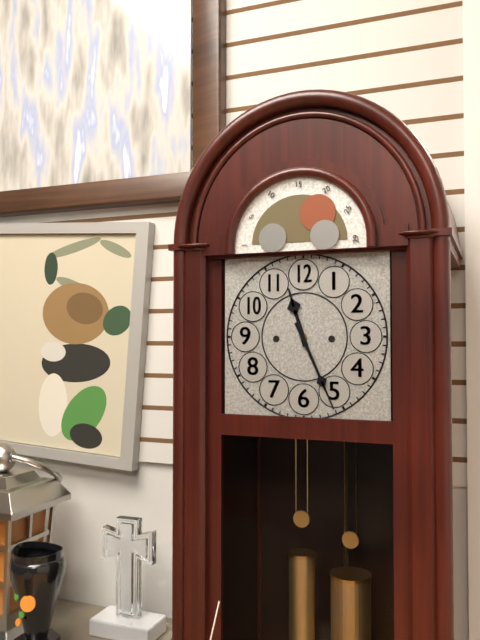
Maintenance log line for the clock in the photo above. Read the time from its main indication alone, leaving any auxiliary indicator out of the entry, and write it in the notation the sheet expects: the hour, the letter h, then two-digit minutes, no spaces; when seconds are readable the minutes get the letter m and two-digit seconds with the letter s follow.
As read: 11h26
